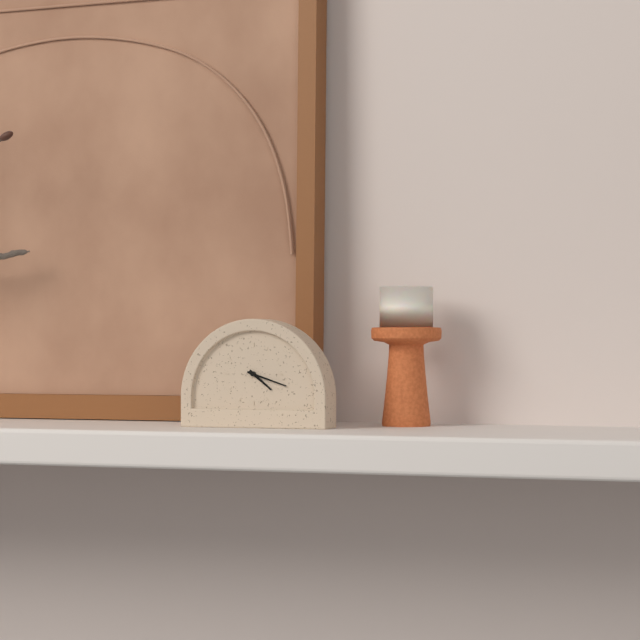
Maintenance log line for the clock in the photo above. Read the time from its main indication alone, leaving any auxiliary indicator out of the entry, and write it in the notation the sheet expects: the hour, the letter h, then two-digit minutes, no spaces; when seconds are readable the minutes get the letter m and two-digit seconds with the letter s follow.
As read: 4h18
